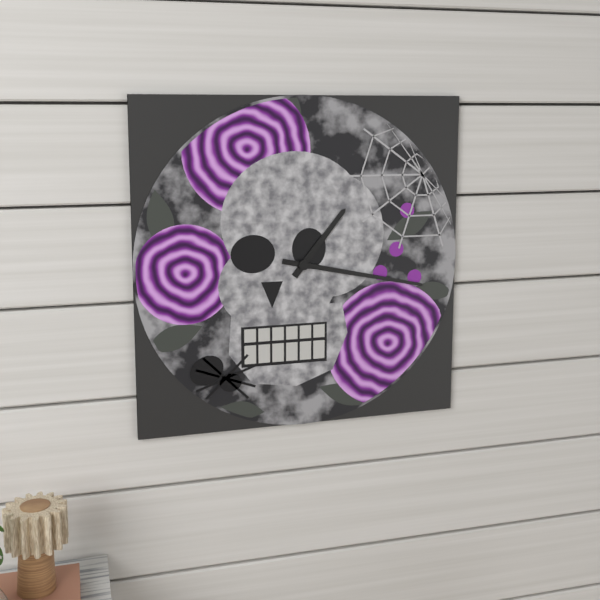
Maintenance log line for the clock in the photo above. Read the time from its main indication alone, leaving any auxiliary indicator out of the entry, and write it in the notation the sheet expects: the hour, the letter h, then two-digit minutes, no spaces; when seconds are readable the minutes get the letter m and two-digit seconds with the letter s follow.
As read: 1h17
